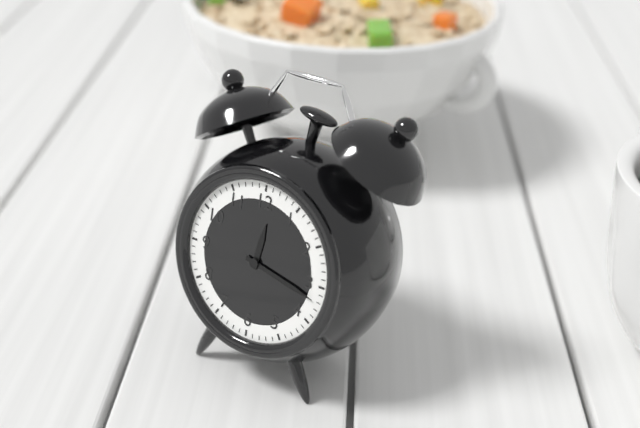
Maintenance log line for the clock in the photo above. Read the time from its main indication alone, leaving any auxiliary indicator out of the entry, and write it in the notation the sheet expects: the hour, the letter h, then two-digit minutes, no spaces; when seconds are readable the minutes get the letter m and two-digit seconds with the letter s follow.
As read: 12h17
